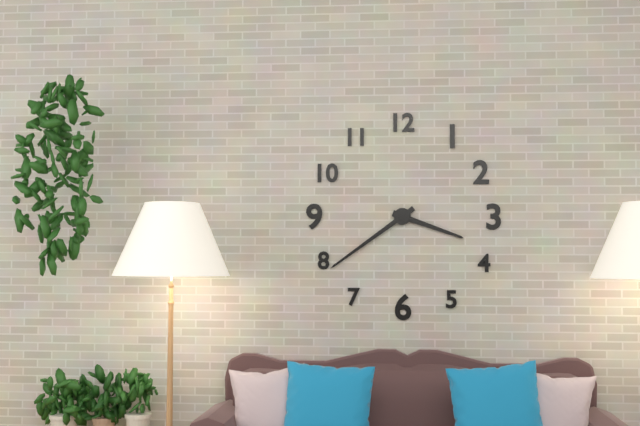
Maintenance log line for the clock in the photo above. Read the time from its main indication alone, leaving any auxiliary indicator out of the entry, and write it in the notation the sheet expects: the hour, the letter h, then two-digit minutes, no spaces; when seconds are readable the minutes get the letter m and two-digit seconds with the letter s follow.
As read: 3h39
